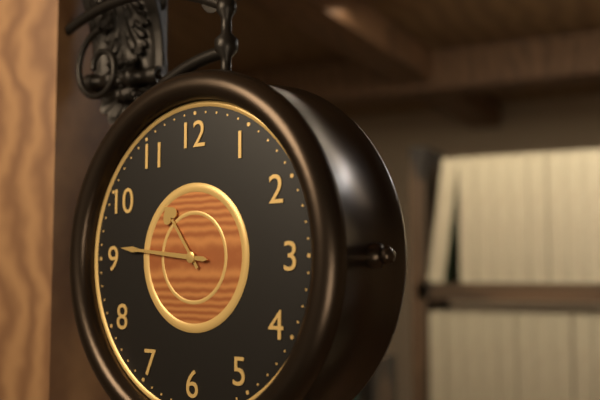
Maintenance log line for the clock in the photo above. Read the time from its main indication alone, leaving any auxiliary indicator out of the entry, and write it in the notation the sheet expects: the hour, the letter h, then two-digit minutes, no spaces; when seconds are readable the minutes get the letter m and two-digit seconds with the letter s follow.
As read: 10h46
